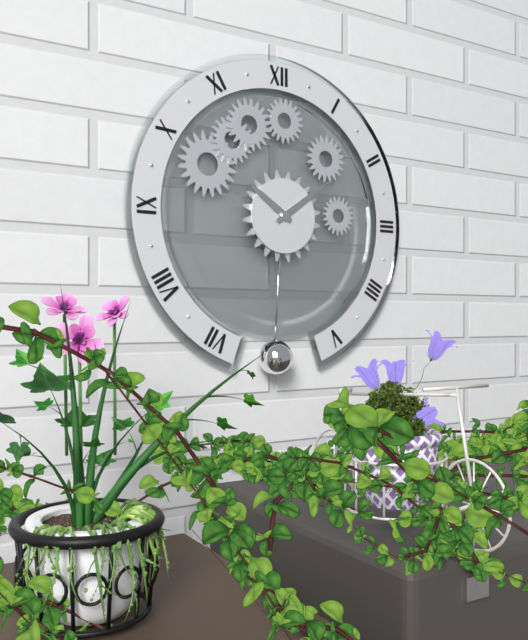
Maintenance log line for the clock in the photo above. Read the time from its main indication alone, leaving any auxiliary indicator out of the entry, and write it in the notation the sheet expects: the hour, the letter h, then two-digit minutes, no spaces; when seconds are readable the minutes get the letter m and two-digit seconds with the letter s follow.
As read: 10h09
